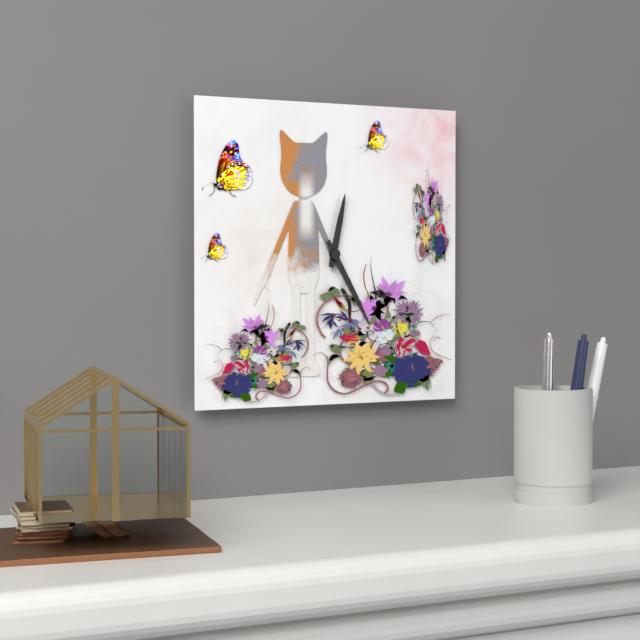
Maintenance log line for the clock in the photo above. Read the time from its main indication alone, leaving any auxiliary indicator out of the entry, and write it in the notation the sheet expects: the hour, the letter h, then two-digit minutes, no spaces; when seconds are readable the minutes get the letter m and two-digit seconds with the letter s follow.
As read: 12h25
